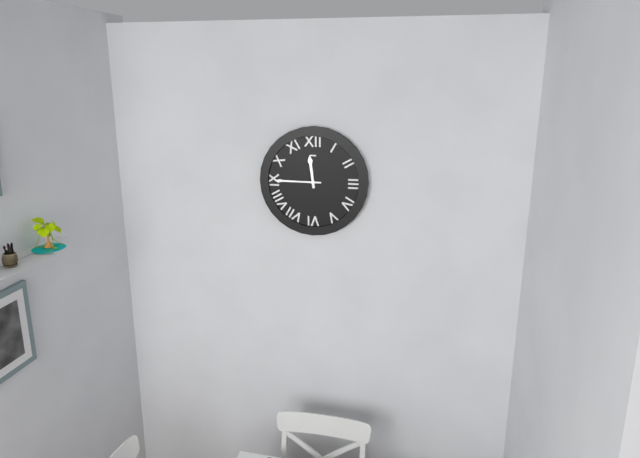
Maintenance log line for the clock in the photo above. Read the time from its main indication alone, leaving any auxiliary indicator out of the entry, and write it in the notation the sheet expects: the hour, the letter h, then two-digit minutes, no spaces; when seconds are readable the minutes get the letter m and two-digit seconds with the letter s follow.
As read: 11h45
